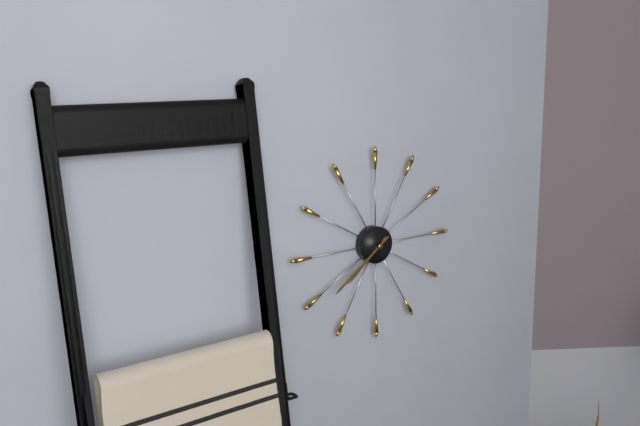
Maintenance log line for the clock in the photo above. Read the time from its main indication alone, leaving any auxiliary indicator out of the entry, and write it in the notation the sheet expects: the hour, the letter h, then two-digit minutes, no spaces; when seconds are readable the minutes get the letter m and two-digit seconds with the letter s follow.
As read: 7h39
